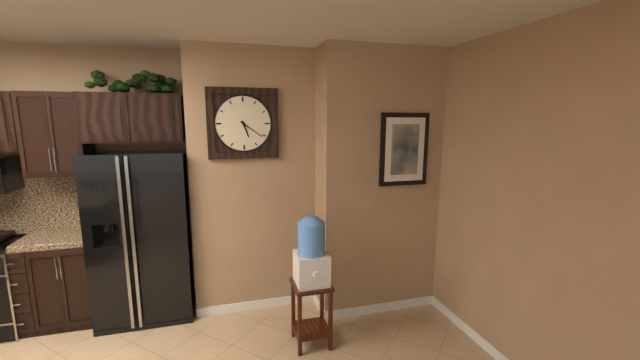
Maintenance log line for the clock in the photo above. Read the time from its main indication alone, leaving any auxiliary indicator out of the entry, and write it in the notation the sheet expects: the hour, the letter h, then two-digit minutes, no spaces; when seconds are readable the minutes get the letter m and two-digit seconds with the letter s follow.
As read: 5h21
